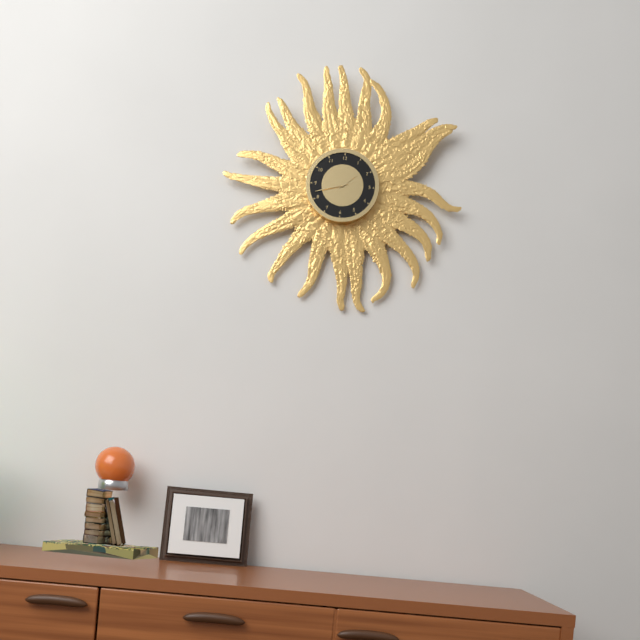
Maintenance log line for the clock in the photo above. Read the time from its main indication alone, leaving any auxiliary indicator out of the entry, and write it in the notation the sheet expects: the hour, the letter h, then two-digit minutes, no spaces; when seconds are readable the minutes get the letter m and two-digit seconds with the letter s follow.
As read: 1h42
